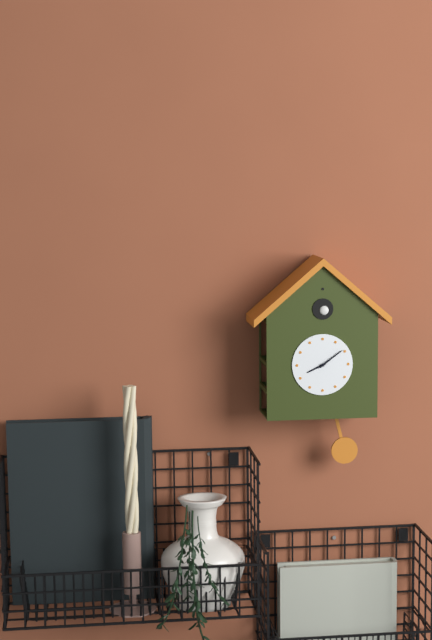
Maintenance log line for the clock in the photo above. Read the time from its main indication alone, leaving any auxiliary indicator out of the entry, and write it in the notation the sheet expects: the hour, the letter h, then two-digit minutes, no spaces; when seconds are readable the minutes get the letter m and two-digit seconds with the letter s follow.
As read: 8h09
